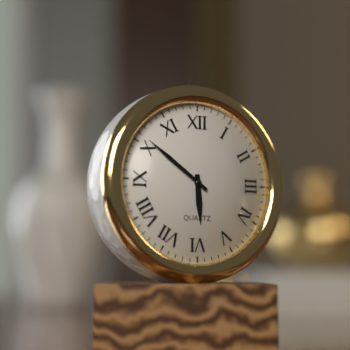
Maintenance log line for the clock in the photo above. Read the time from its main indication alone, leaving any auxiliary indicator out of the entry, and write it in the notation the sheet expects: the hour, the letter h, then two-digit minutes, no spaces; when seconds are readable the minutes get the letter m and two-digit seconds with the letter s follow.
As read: 5h51
